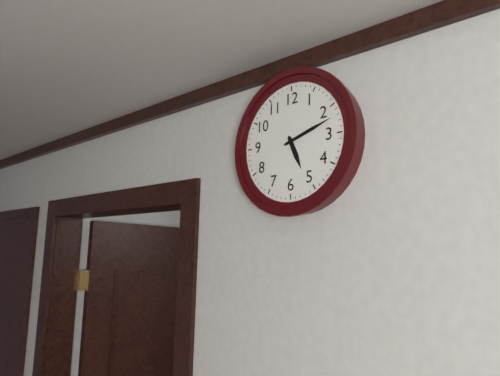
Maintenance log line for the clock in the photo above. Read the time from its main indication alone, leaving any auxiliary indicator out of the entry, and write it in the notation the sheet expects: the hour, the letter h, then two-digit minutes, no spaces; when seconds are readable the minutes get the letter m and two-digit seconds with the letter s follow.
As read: 5h12
